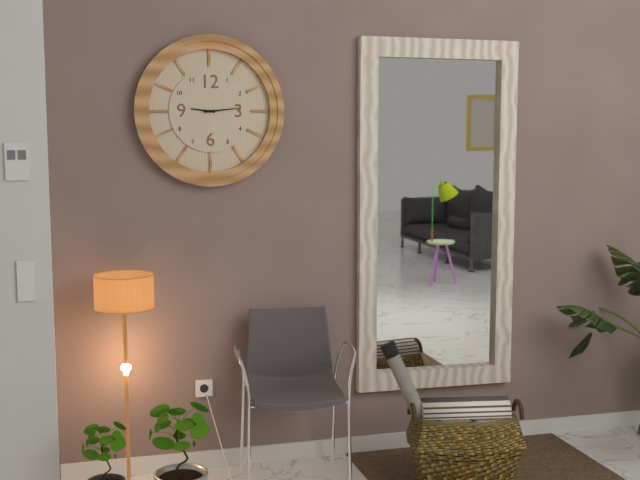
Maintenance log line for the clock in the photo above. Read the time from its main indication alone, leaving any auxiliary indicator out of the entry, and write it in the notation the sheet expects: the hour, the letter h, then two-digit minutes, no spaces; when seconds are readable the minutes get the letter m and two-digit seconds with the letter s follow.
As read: 9h14
